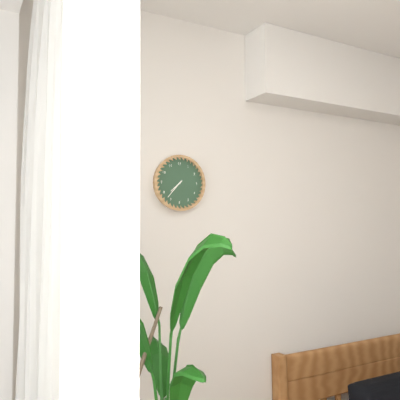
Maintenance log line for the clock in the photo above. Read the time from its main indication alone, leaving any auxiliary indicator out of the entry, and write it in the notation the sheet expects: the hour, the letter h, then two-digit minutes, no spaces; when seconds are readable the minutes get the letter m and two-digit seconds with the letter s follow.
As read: 7h37
